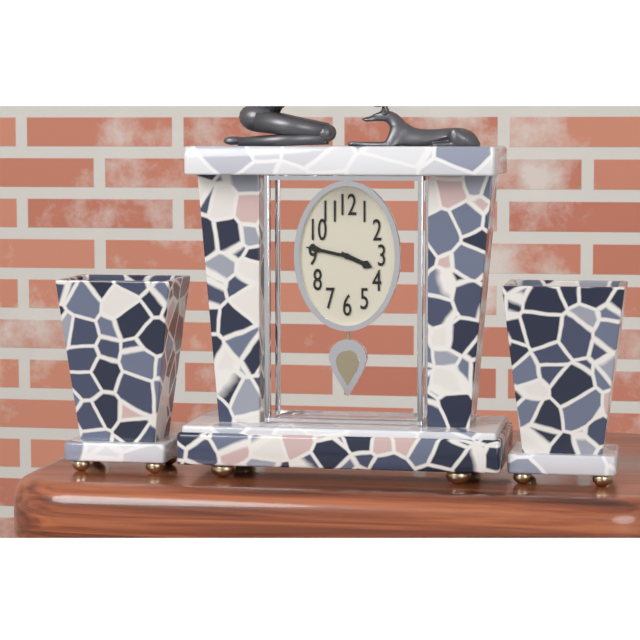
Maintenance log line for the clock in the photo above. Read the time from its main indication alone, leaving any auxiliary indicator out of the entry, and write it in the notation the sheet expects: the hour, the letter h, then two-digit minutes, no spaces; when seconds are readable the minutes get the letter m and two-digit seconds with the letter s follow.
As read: 3h47
